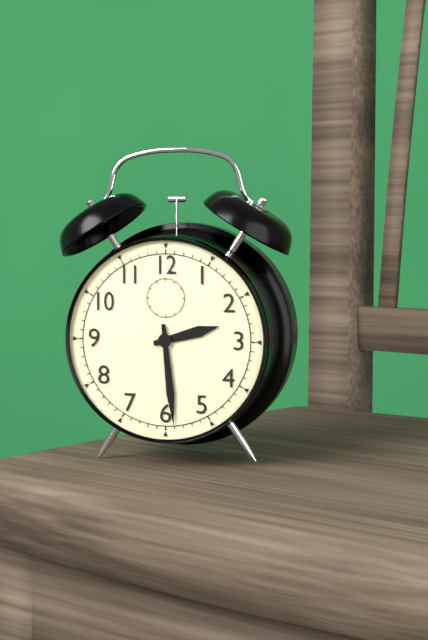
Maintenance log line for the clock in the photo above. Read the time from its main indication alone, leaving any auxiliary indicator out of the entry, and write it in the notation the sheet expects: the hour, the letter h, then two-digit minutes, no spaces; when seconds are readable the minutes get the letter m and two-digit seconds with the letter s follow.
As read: 2h29
